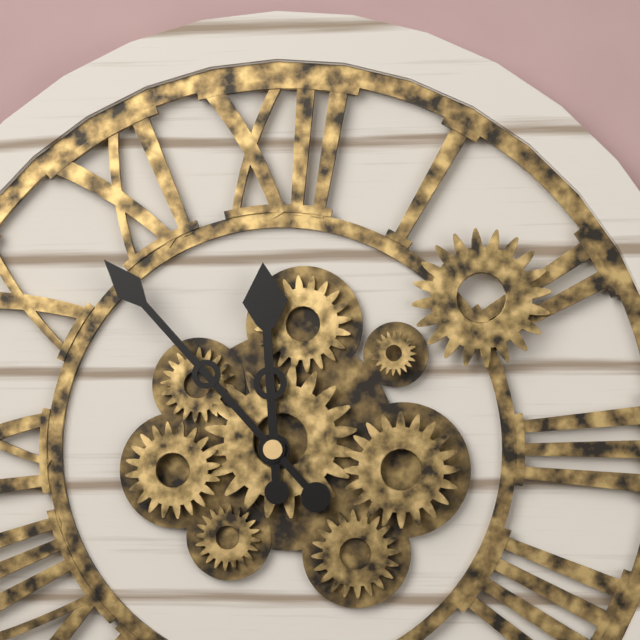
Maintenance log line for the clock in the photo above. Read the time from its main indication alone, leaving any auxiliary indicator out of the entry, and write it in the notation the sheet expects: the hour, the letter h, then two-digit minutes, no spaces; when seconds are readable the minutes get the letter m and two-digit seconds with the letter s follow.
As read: 11h53
